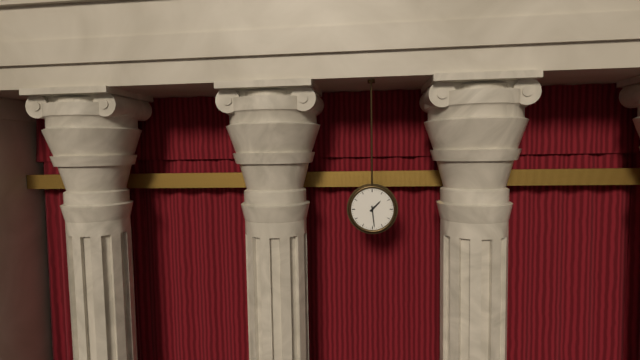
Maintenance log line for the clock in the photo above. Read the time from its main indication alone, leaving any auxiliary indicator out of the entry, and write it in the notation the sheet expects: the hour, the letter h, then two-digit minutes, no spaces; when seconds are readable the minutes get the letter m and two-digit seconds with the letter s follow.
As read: 1h29
